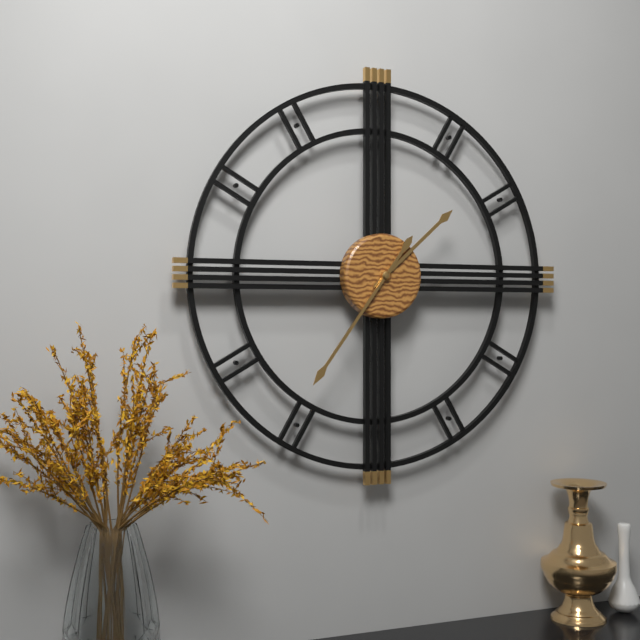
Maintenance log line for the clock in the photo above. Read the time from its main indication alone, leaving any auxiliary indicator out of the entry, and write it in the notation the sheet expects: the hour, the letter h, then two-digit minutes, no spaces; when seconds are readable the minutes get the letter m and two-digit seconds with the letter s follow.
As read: 1h36
